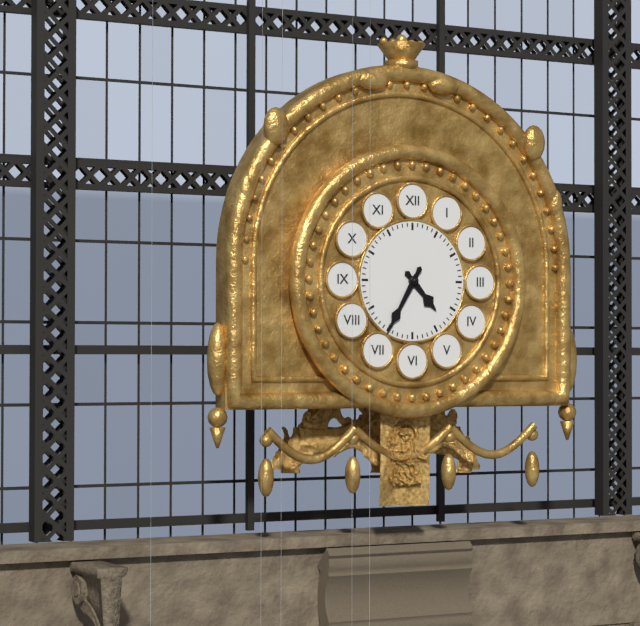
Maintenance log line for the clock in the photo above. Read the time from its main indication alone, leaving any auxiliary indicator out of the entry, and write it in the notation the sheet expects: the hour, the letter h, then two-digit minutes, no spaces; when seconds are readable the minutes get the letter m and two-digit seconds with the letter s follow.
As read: 4h35
